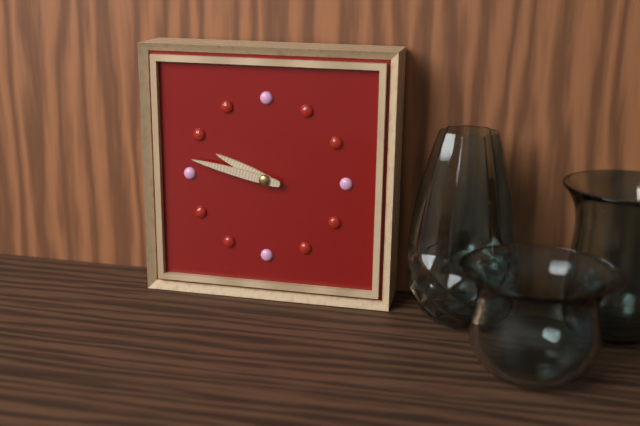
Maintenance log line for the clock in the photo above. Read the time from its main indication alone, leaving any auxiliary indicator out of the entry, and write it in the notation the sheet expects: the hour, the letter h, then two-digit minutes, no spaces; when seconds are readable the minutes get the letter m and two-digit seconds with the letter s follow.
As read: 9h47
